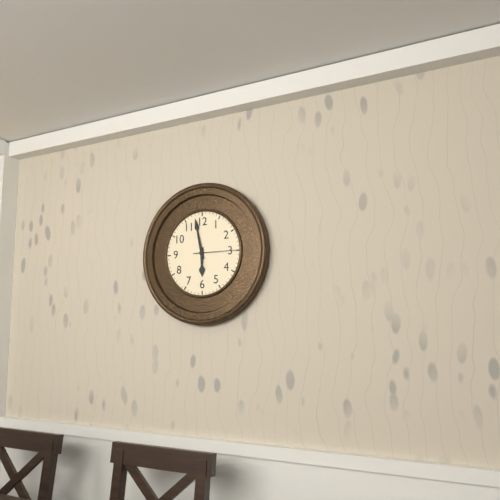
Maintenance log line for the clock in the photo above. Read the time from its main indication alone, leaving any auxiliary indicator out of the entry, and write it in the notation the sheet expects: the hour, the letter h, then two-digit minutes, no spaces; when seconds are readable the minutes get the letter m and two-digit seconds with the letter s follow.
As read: 5h58
